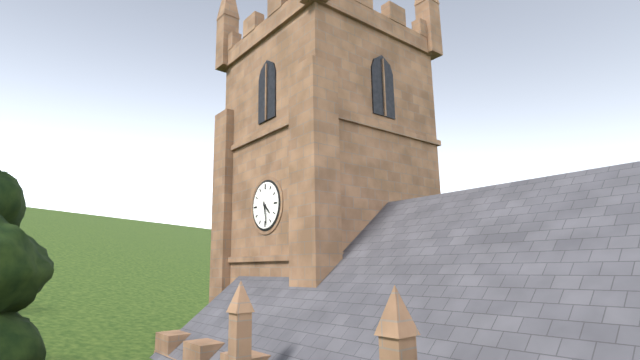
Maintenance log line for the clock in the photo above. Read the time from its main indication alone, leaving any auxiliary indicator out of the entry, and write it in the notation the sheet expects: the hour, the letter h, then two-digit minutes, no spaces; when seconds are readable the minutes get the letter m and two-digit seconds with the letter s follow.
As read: 4h28
